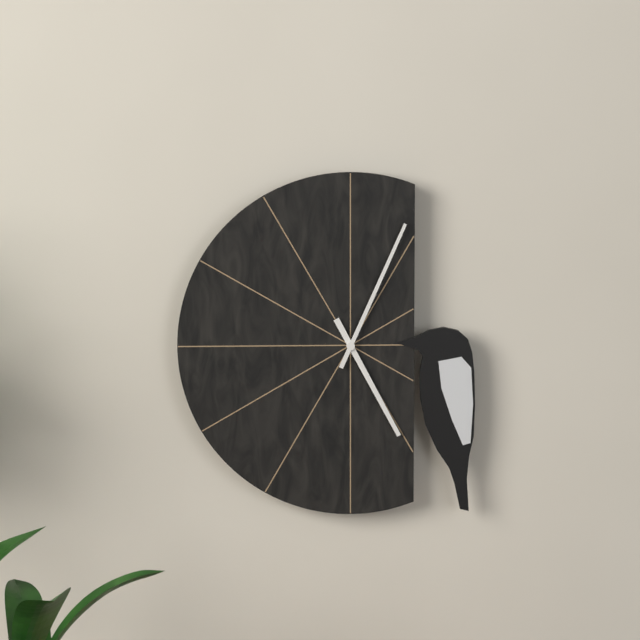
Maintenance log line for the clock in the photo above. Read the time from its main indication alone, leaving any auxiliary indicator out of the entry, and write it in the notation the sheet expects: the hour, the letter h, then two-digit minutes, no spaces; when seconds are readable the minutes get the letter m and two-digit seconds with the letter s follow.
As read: 5h04
